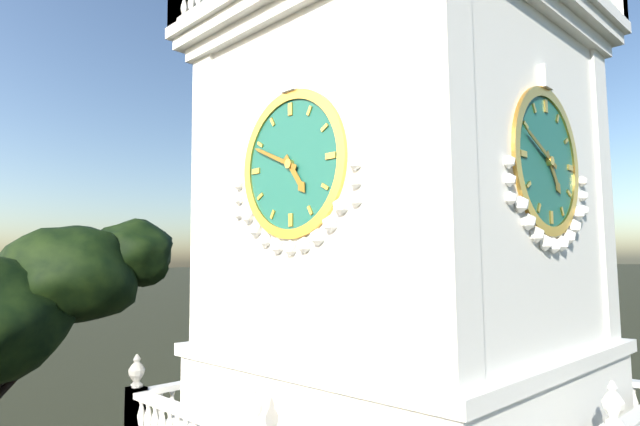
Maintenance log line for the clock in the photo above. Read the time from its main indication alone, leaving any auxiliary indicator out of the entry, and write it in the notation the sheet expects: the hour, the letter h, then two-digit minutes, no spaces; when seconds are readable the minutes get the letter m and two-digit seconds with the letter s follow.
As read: 4h49
